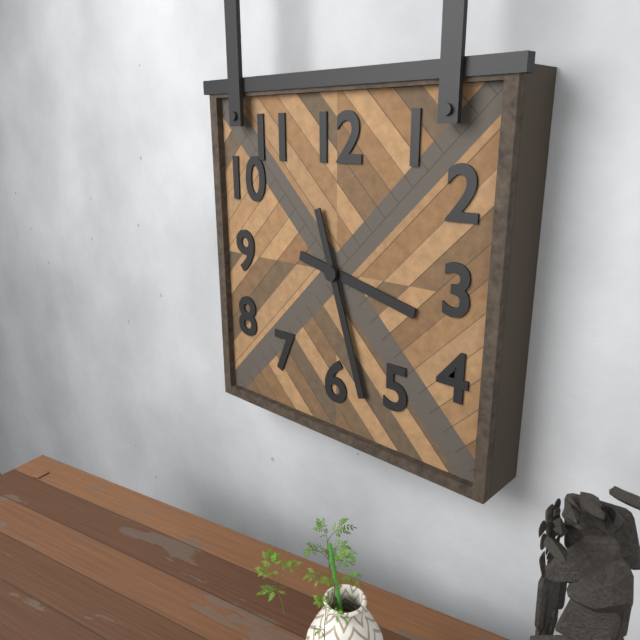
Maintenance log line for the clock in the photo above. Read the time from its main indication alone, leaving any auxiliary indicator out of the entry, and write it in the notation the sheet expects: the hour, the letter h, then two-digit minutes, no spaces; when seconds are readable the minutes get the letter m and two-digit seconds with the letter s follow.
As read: 3h27
